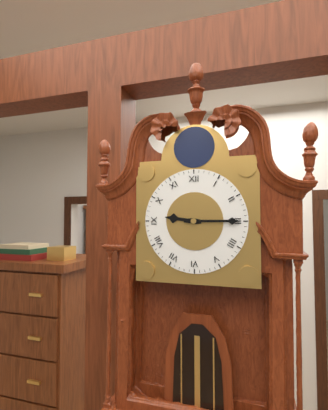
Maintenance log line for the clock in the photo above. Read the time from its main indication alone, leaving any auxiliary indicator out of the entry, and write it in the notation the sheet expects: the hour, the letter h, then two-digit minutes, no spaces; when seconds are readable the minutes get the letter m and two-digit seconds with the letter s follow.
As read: 9h15
